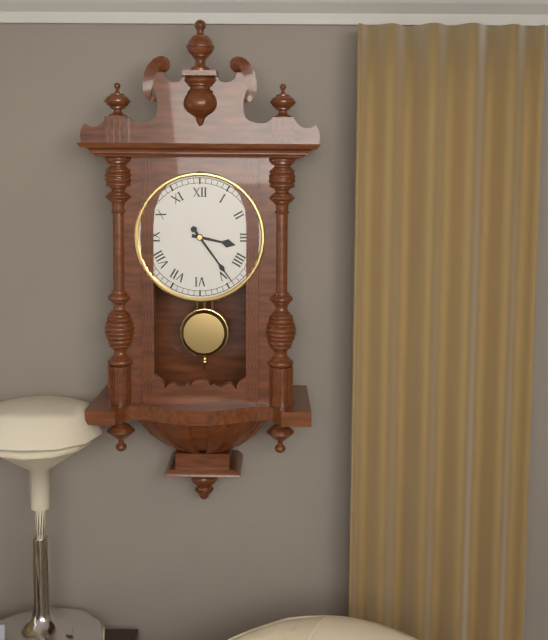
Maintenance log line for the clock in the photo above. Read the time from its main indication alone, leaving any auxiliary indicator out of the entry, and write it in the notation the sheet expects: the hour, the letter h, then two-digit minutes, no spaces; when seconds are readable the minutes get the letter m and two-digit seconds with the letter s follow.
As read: 3h24
